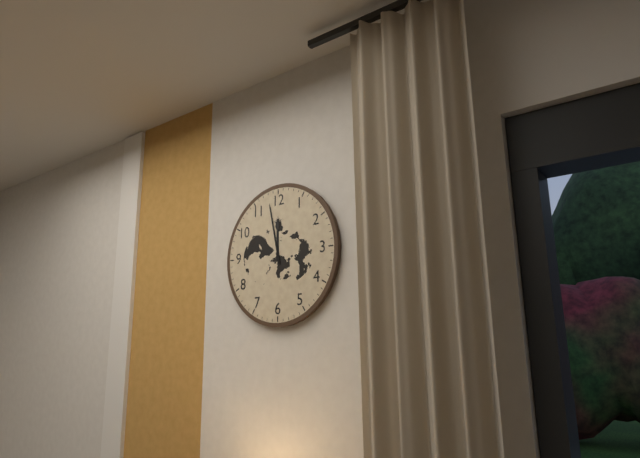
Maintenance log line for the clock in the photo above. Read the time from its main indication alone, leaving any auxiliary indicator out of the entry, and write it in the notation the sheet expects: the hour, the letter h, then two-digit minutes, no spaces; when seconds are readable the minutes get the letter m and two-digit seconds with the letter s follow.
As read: 11h58
